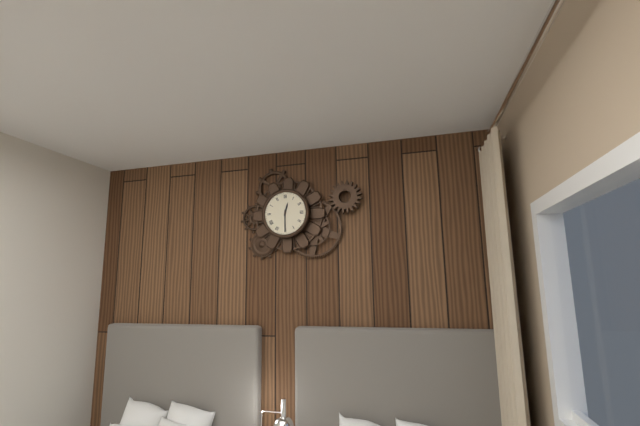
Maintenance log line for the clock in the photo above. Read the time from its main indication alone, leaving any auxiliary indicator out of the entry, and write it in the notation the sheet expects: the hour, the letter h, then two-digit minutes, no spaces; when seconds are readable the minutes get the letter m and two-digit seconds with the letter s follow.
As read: 12h30
